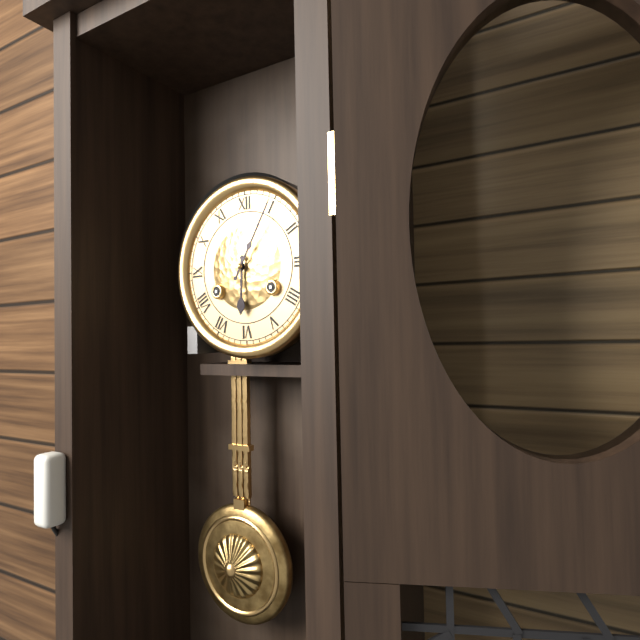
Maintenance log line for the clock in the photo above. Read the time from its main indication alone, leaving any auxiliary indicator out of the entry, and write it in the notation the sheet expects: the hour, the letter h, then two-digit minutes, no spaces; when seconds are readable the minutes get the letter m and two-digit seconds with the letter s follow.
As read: 6h05
